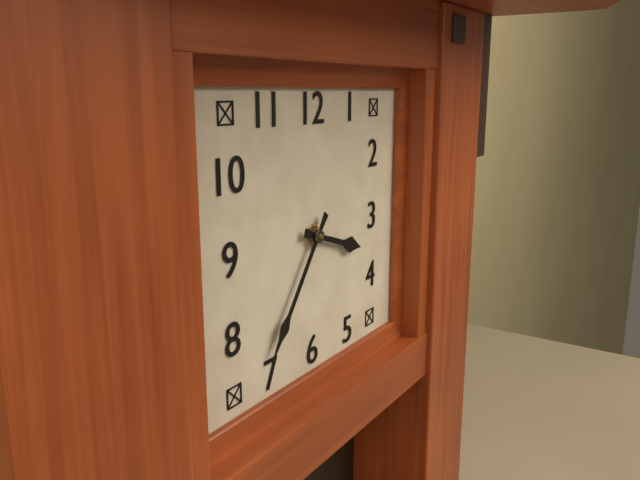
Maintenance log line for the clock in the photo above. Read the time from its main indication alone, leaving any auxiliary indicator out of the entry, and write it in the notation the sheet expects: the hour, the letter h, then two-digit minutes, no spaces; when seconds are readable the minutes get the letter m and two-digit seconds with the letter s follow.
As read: 3h36
